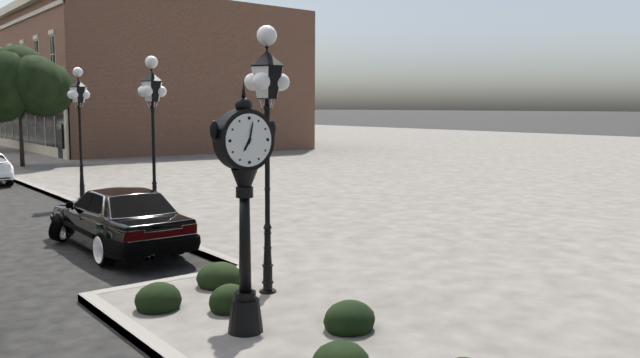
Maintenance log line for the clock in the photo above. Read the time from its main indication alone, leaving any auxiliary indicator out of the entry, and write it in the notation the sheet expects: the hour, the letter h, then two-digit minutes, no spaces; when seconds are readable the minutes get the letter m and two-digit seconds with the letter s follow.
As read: 7h02
